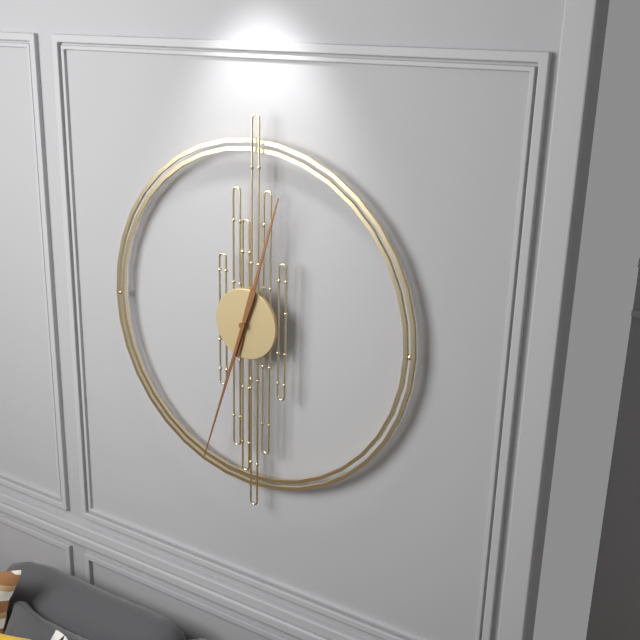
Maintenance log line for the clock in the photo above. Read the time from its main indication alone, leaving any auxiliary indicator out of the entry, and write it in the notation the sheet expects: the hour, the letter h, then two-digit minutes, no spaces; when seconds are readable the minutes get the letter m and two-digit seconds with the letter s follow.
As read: 12h33
